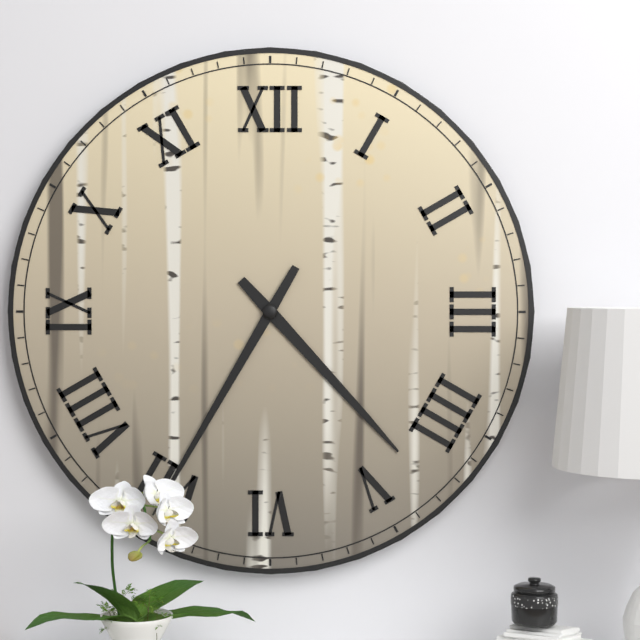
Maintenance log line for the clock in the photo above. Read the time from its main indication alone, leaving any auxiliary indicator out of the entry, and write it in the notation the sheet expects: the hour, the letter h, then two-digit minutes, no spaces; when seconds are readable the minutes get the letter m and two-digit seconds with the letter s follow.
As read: 4h35
